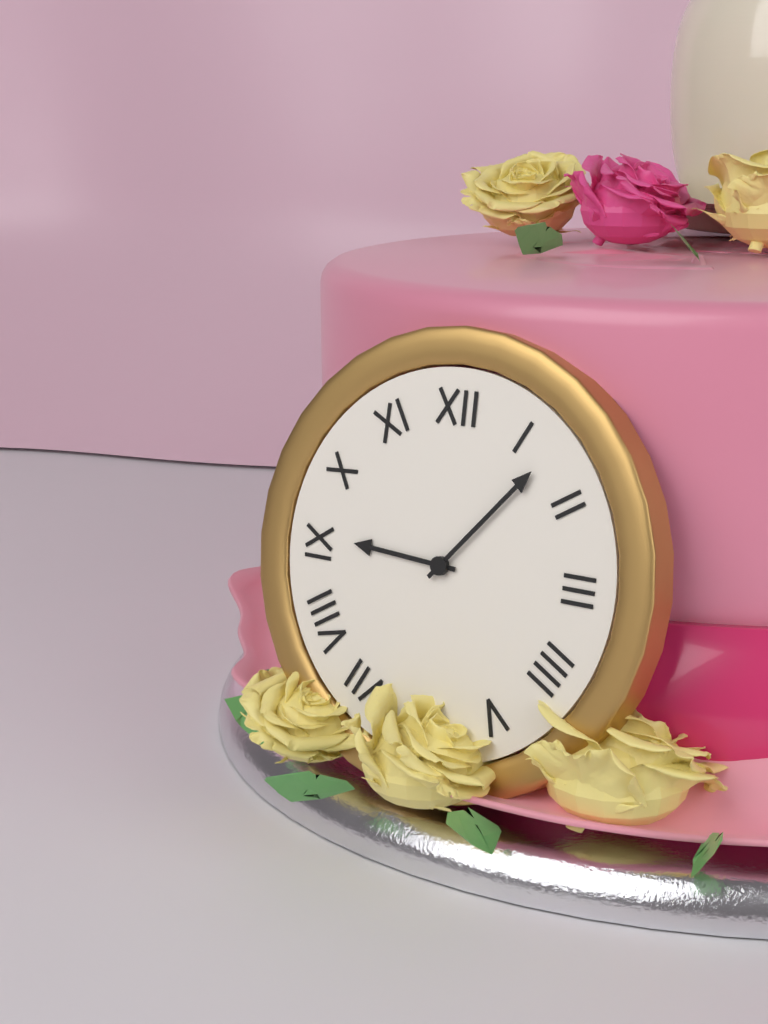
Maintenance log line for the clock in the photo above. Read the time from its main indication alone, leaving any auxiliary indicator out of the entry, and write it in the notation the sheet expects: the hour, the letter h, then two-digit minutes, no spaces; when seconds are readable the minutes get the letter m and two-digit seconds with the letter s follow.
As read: 9h07
